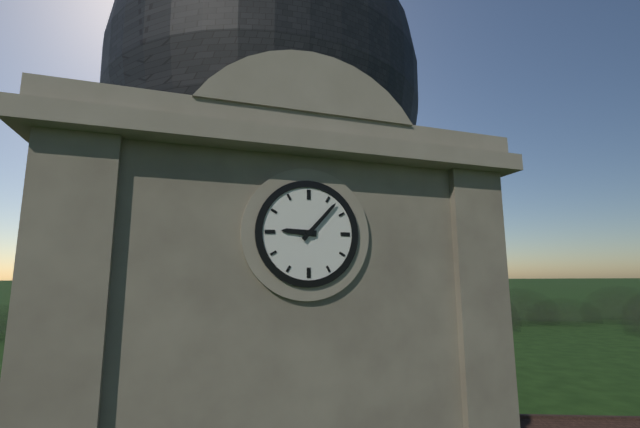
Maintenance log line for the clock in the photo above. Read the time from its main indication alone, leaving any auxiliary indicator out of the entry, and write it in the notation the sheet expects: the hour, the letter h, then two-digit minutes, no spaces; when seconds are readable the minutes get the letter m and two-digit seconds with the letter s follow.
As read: 9h07
